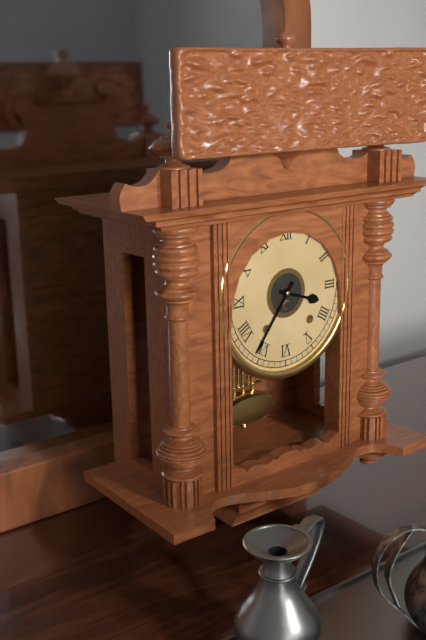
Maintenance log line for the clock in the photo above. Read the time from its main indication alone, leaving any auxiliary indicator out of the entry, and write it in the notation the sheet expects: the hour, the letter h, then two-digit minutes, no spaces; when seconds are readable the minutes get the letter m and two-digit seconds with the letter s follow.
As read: 3h36
